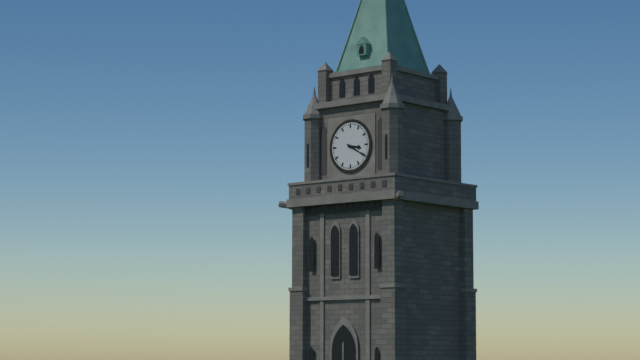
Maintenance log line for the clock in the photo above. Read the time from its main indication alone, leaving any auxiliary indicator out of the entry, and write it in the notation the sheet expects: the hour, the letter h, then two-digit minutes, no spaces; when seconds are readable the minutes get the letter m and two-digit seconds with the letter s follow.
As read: 3h20
